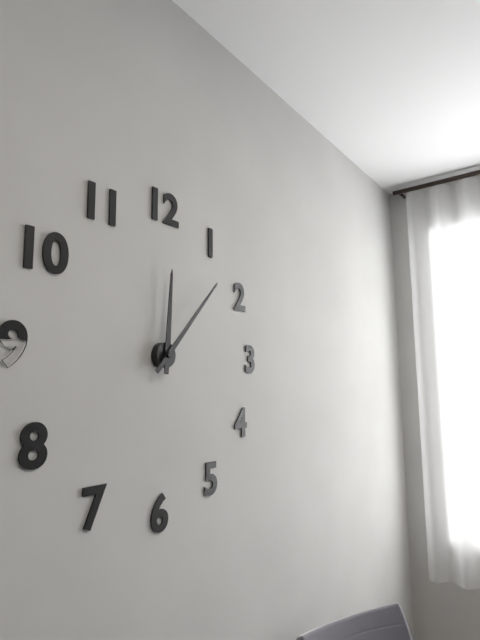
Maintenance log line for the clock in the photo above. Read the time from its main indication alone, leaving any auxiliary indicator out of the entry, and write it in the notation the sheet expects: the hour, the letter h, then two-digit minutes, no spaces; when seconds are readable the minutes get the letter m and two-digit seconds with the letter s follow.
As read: 12h07
